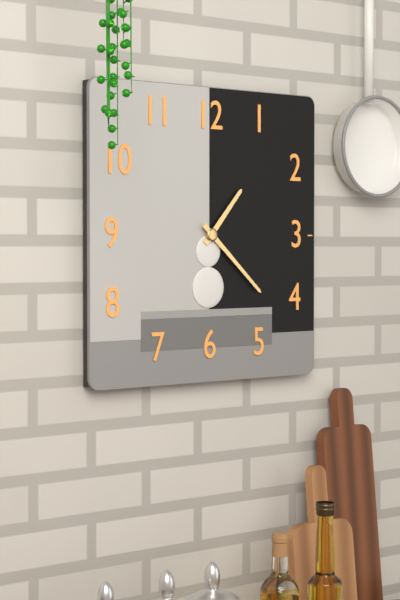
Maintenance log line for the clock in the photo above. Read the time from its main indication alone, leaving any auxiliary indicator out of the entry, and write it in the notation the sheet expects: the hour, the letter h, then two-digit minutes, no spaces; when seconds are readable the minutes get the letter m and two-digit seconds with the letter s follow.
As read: 1h22
